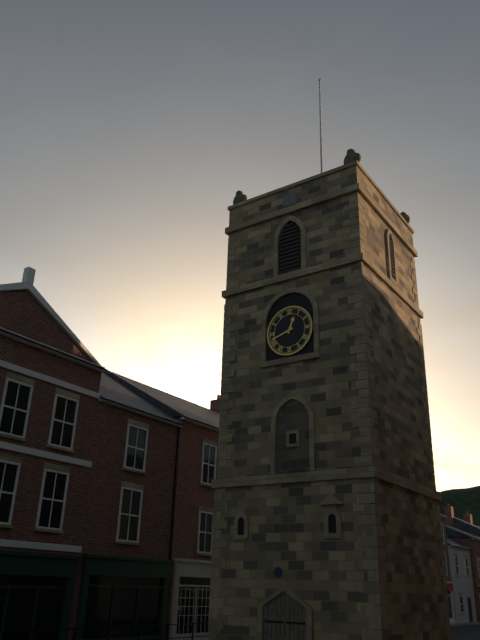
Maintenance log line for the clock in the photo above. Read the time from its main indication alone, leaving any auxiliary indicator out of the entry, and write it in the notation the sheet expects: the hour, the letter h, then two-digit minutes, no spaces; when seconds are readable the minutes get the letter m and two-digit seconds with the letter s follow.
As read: 12h42
